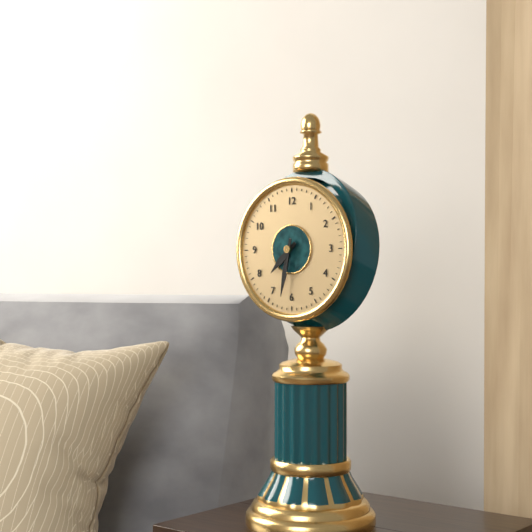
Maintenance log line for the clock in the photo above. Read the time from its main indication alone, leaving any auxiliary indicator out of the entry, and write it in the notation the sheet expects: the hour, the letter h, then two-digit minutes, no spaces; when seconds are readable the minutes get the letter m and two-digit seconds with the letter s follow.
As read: 7h32
